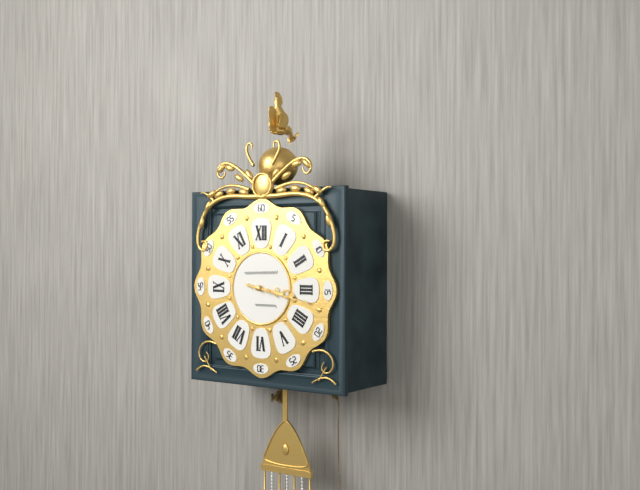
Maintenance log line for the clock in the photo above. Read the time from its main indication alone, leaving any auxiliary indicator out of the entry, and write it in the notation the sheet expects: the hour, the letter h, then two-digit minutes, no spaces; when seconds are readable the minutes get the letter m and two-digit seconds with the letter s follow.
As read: 3h17
